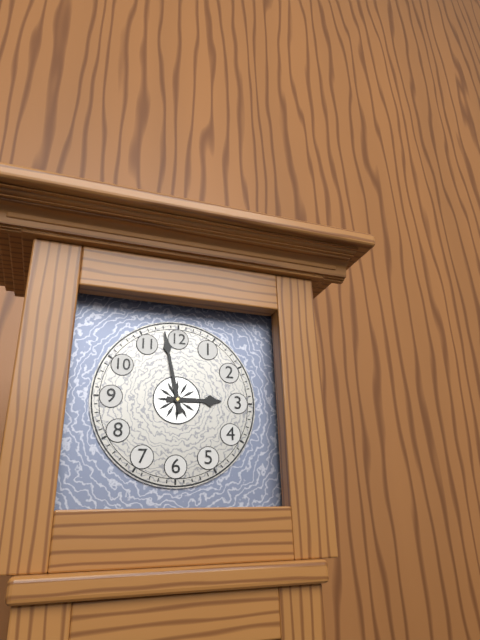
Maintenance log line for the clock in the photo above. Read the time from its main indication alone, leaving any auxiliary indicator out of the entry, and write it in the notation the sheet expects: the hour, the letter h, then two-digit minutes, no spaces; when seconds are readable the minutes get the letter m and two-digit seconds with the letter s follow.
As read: 2h58
